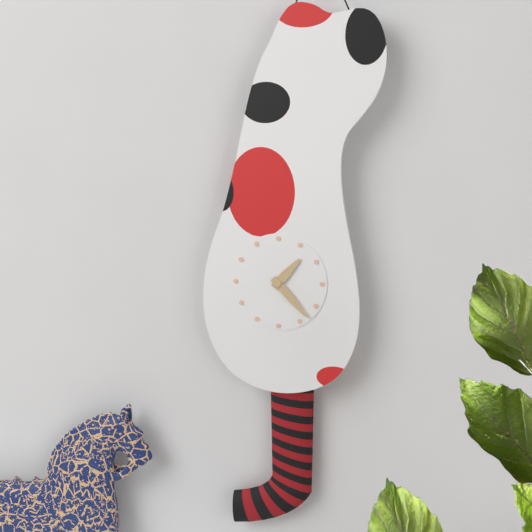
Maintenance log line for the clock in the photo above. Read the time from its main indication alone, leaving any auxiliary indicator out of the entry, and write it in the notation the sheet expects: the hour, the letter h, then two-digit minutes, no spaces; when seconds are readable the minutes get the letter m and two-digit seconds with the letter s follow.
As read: 1h23
